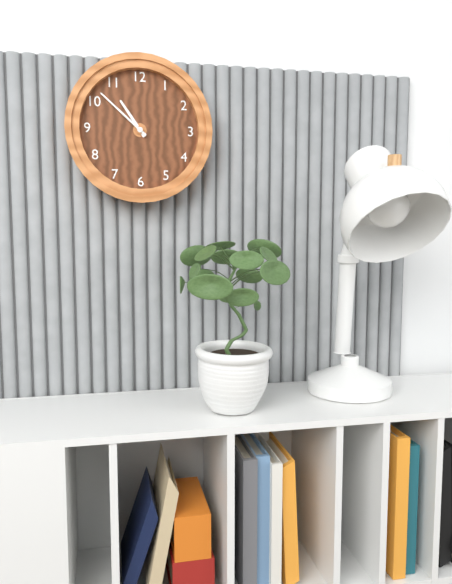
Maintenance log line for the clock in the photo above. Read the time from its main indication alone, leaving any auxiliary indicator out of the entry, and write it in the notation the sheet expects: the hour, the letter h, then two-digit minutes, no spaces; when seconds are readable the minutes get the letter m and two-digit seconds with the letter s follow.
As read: 10h52
